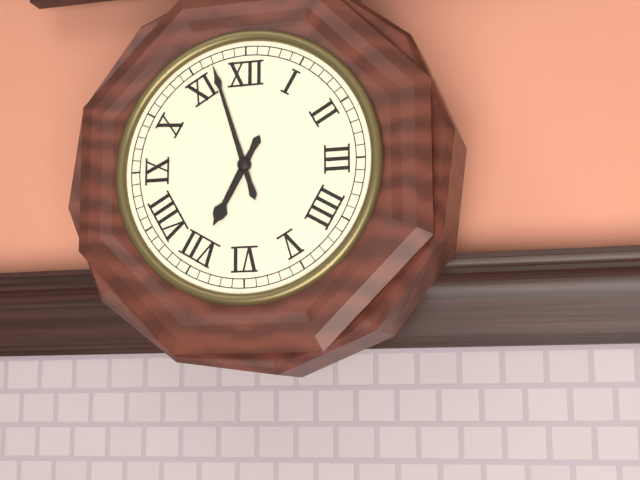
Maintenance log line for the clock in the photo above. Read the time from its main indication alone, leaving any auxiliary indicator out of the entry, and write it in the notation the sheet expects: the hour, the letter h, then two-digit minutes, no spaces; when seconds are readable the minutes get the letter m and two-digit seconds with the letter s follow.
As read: 6h57
